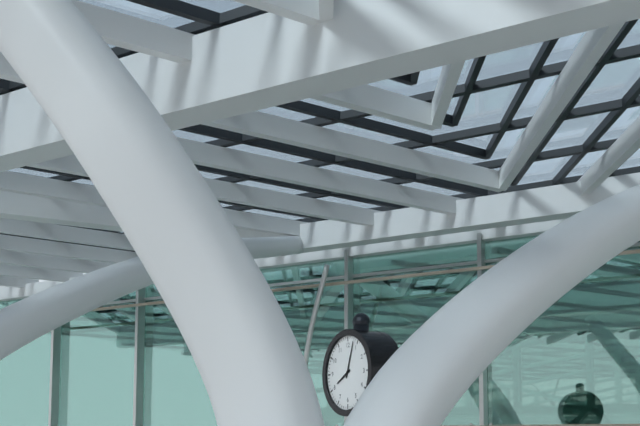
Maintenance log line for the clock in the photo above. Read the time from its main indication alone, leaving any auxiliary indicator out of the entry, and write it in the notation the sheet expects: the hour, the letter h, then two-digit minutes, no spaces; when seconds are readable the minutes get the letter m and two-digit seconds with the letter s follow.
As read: 8h03
